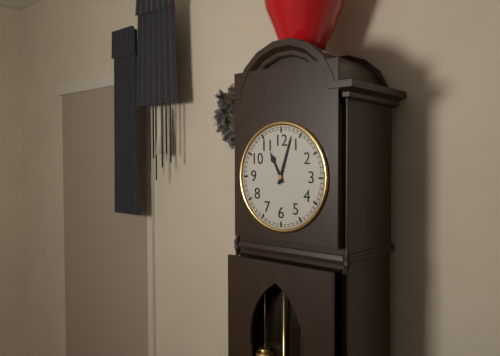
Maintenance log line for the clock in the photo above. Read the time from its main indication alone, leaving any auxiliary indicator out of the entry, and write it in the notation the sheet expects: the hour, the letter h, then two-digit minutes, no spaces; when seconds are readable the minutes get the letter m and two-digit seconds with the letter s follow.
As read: 11h03
